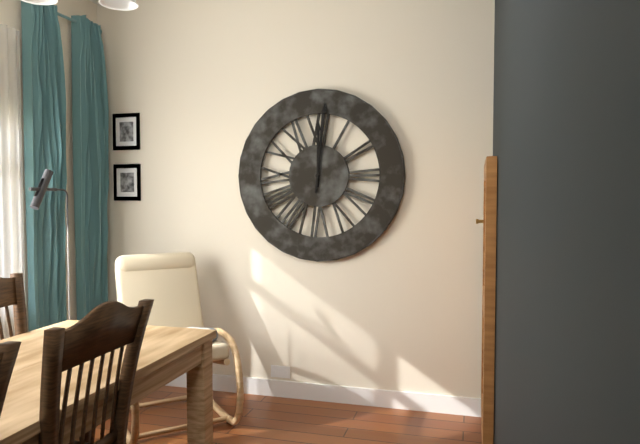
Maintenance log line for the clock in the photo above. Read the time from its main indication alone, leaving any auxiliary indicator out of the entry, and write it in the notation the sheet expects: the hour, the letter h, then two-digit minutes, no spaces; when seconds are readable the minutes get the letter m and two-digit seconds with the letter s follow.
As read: 12h01
